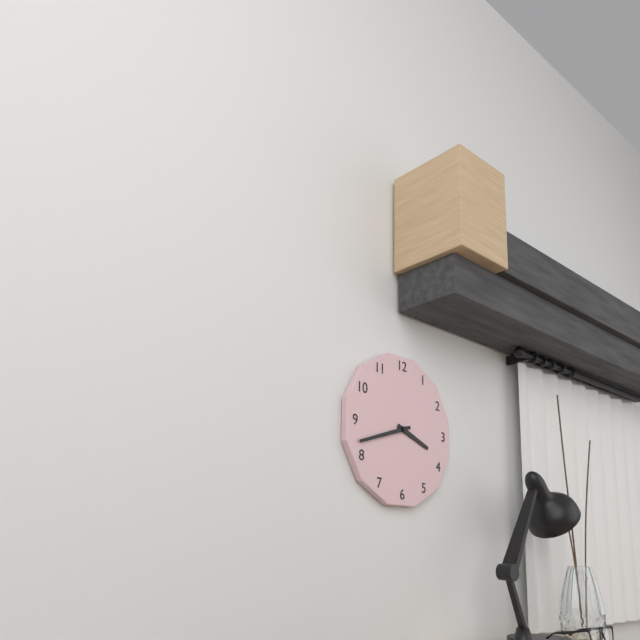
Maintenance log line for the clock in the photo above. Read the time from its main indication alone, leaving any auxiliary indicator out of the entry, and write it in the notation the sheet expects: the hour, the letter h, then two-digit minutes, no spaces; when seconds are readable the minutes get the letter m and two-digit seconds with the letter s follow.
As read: 3h42
